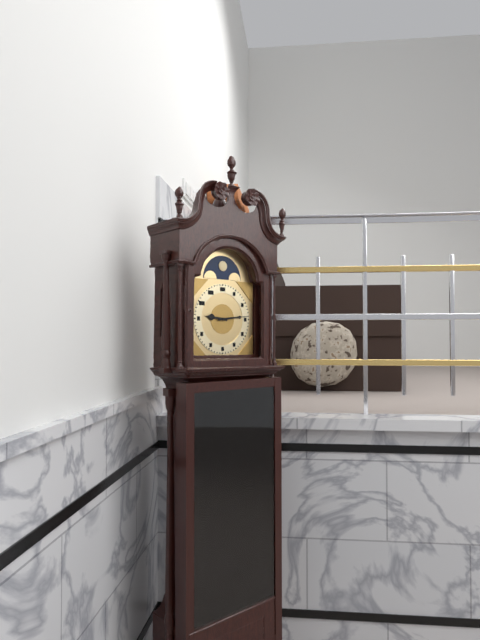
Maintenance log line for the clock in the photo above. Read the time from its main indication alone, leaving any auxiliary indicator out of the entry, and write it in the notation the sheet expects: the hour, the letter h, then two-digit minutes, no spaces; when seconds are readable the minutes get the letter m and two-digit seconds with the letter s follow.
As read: 9h14
